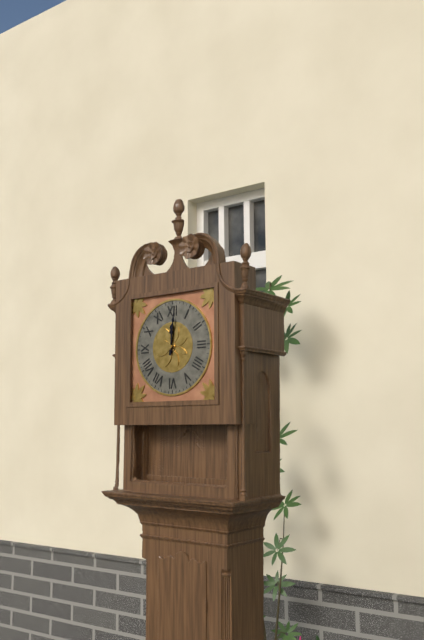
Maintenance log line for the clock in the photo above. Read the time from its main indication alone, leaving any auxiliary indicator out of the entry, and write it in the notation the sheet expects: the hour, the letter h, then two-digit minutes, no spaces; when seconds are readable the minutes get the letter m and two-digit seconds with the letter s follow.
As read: 12h01
